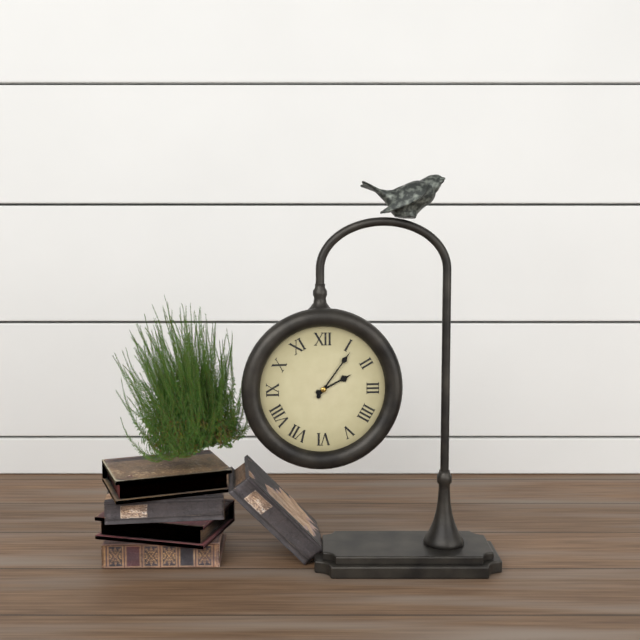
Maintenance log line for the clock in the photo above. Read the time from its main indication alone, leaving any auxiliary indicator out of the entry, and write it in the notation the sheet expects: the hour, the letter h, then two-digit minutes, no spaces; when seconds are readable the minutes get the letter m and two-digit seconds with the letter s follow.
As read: 2h06
